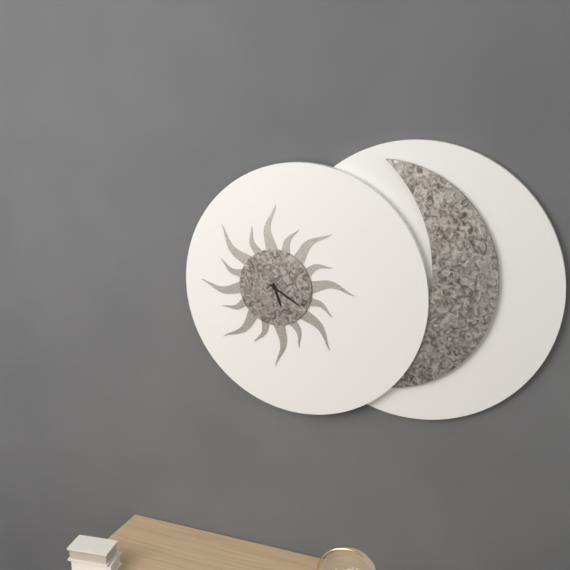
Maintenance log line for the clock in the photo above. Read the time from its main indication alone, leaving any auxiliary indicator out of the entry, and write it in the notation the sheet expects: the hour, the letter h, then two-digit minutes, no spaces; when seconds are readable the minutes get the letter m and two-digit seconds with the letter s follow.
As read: 5h20
